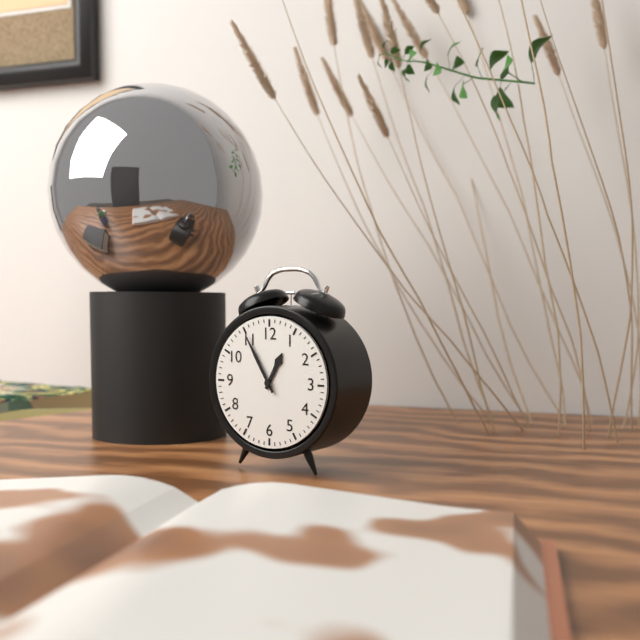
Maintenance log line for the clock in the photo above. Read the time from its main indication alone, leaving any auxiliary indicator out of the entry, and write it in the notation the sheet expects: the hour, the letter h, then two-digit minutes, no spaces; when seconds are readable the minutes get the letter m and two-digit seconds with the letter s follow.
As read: 12h55
